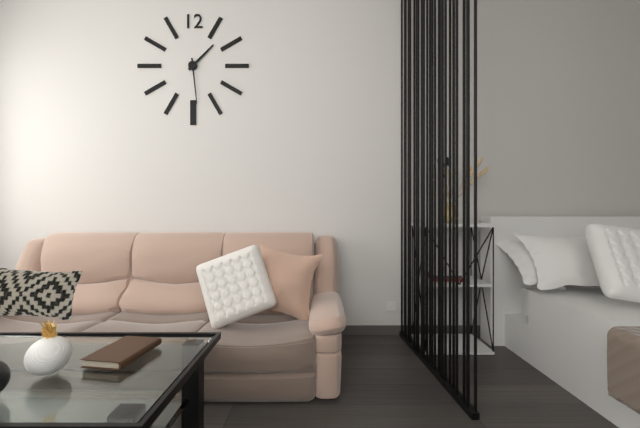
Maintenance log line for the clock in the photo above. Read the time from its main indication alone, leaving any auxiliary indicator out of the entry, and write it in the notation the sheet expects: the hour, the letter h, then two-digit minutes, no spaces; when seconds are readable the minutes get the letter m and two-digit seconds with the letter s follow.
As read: 1h29
